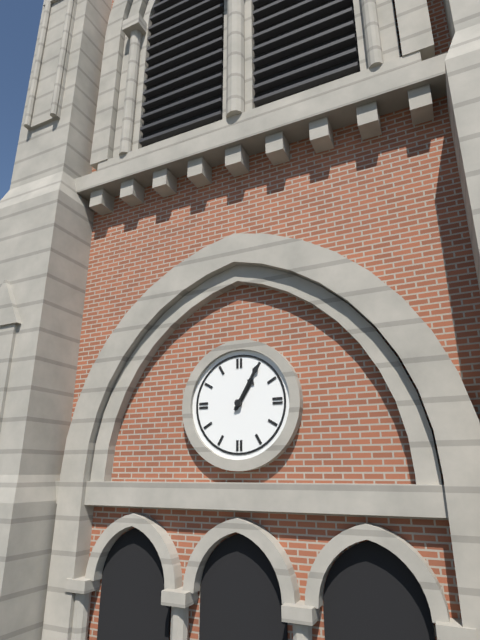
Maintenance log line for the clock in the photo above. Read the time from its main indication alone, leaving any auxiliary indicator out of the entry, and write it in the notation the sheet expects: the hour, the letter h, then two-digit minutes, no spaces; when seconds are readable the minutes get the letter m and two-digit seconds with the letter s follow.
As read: 1h05
